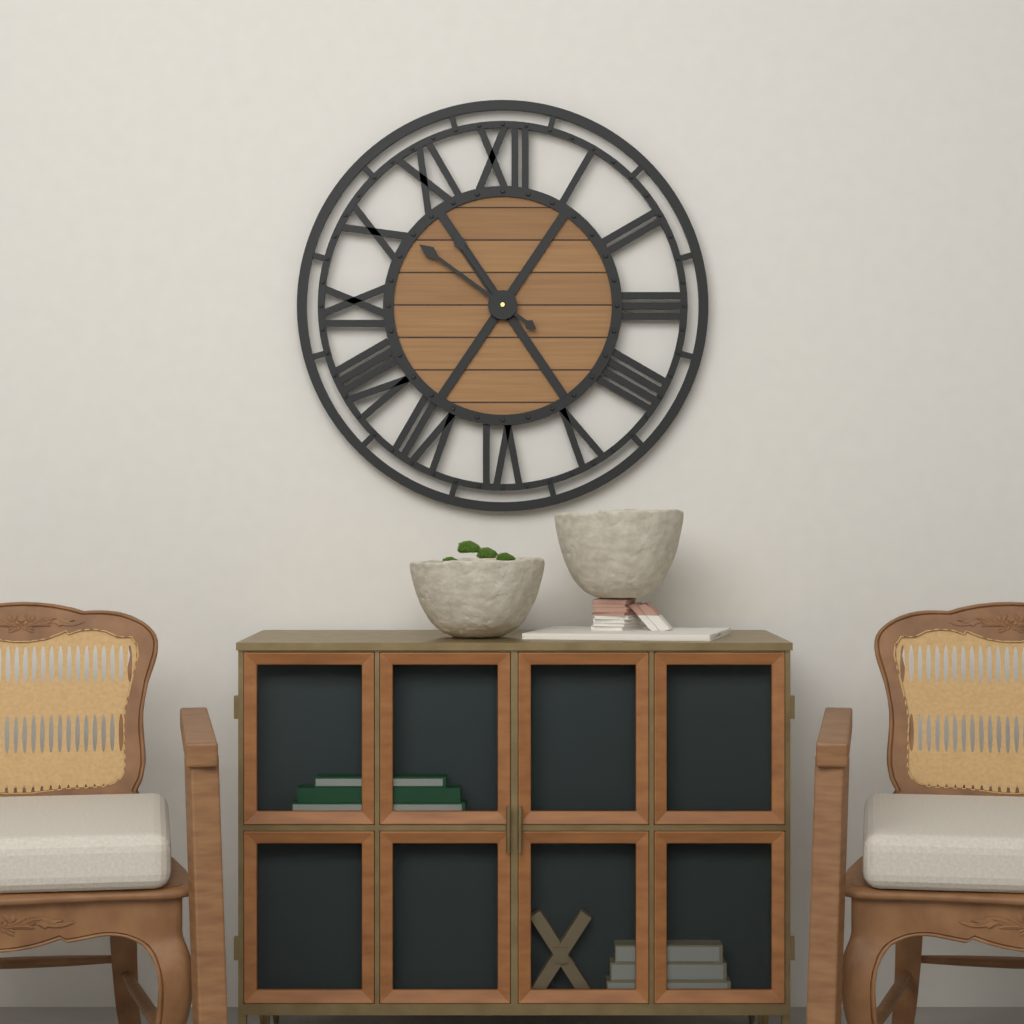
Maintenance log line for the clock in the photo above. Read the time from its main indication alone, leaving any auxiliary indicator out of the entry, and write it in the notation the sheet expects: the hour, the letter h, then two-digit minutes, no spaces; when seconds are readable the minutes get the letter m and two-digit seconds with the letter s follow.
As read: 10h51
